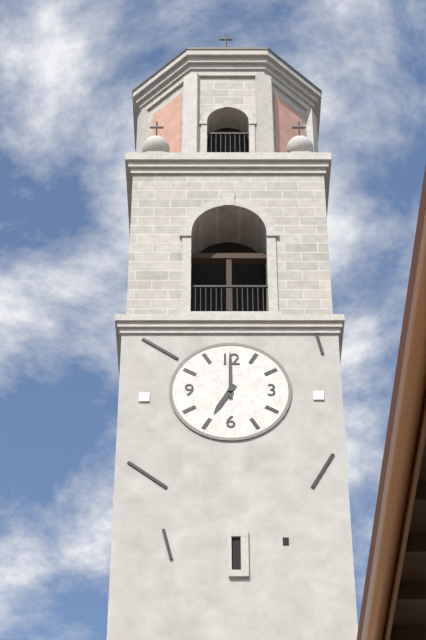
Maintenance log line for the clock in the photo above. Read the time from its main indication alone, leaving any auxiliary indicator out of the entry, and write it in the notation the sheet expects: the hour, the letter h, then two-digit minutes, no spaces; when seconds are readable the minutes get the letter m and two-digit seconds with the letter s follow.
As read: 7h00
